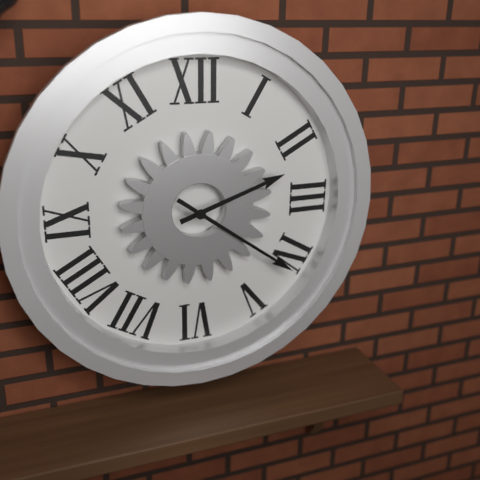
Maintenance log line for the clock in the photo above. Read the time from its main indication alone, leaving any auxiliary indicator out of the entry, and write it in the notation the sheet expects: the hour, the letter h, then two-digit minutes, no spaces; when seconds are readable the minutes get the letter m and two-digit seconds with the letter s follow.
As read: 2h21
